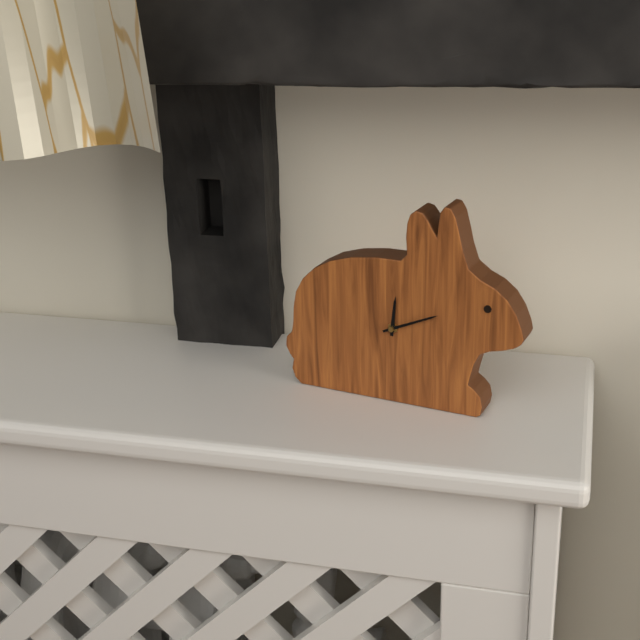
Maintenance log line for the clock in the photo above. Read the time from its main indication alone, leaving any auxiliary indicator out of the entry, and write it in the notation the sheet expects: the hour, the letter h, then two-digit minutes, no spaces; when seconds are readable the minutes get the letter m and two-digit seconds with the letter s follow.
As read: 12h11
